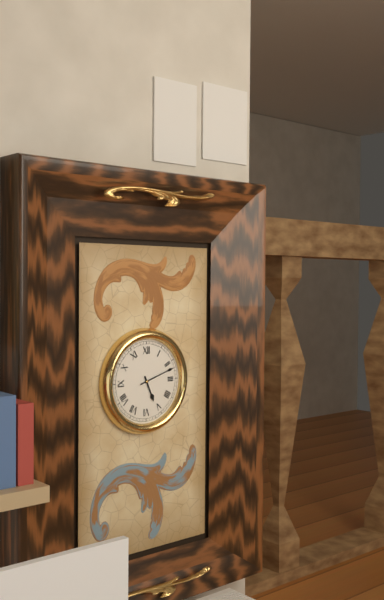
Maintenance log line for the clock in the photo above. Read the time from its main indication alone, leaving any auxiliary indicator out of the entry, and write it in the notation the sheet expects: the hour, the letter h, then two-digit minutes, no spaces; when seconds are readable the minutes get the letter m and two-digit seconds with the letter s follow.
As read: 5h12
